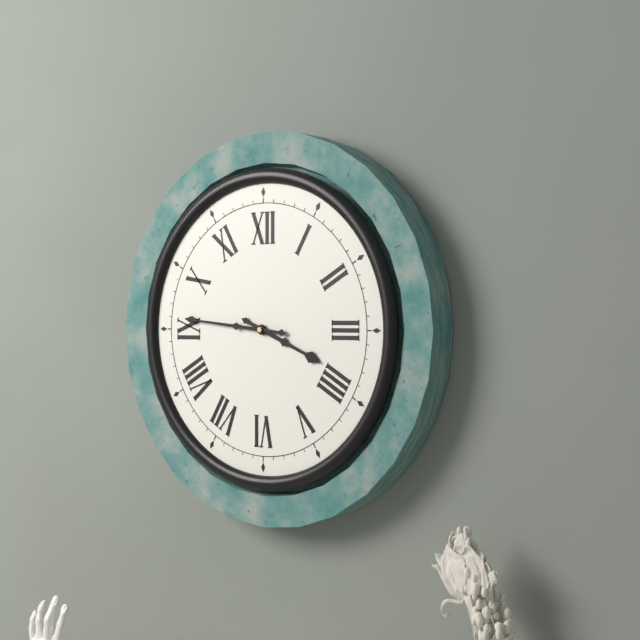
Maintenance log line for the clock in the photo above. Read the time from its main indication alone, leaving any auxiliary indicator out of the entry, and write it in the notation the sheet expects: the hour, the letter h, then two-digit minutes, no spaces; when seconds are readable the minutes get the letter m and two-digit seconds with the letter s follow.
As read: 3h46
